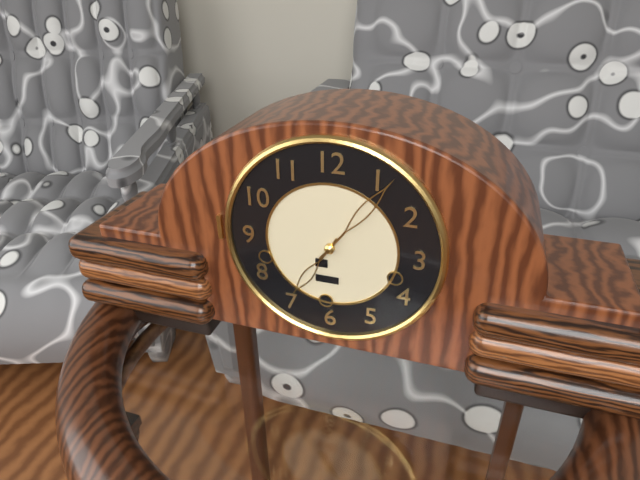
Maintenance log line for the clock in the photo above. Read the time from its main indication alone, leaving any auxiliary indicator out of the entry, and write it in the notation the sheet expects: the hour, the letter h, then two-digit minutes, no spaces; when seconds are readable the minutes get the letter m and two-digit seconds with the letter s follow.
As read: 7h06
